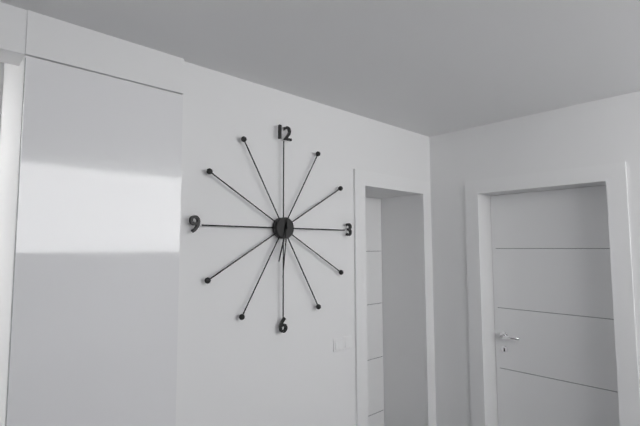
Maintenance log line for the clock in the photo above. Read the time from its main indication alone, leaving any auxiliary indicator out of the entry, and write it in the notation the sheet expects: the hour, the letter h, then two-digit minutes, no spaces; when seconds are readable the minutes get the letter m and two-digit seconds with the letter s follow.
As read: 6h31
